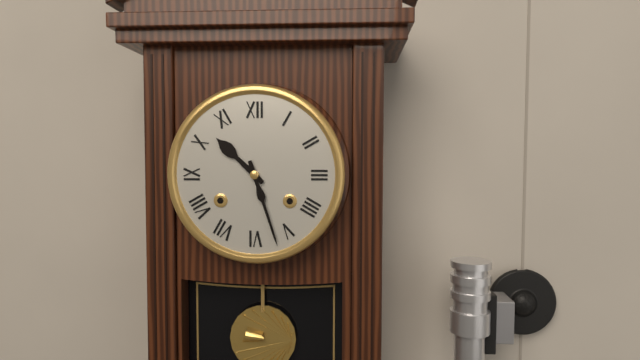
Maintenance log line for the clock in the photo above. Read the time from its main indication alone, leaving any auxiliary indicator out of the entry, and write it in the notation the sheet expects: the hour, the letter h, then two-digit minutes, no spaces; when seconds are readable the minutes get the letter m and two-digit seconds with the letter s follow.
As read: 10h27
